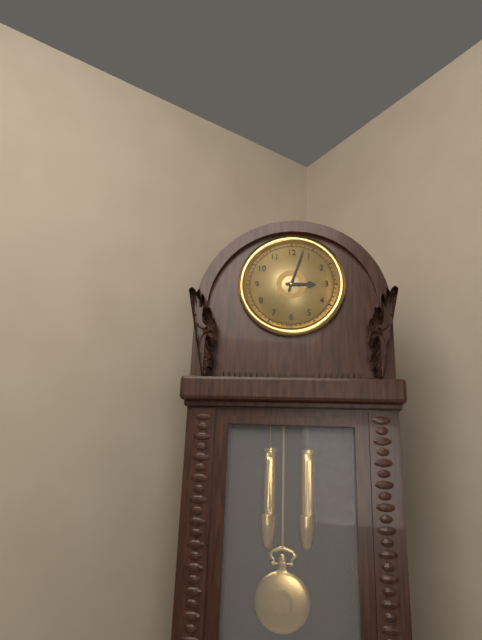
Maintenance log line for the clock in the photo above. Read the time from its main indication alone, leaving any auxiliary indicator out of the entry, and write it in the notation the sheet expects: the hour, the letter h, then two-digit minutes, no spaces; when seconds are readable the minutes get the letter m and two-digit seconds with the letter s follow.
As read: 3h03
